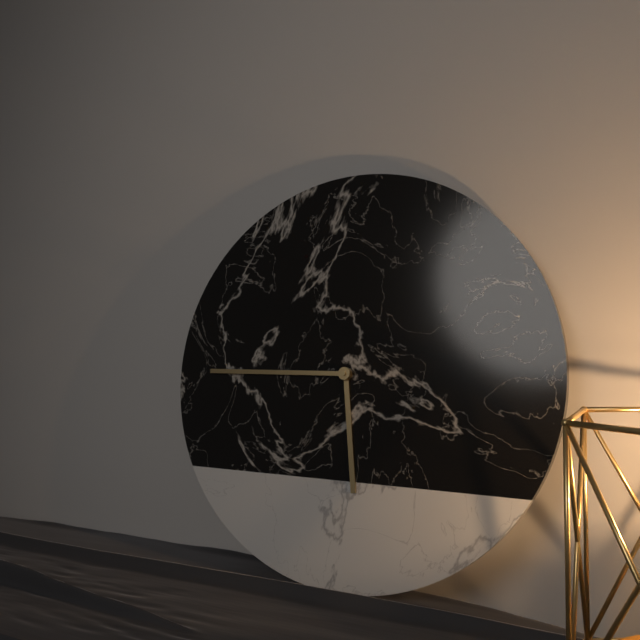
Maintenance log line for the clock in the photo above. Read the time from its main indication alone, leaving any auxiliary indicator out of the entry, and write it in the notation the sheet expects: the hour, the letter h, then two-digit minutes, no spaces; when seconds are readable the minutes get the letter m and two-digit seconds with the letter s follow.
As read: 5h45
